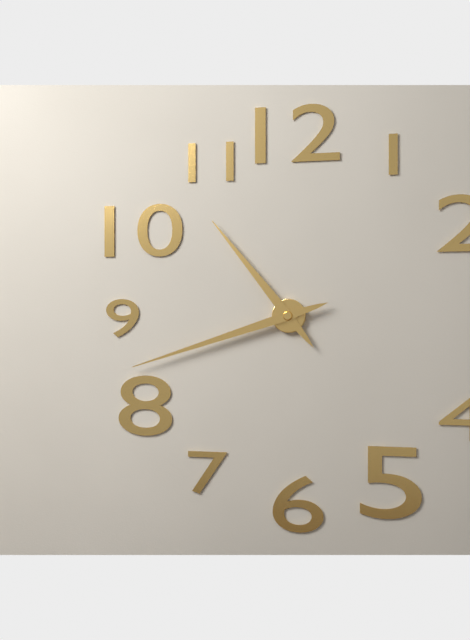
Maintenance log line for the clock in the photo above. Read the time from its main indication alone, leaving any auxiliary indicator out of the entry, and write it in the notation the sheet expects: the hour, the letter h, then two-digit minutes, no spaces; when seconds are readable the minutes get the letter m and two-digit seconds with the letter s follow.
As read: 10h42
